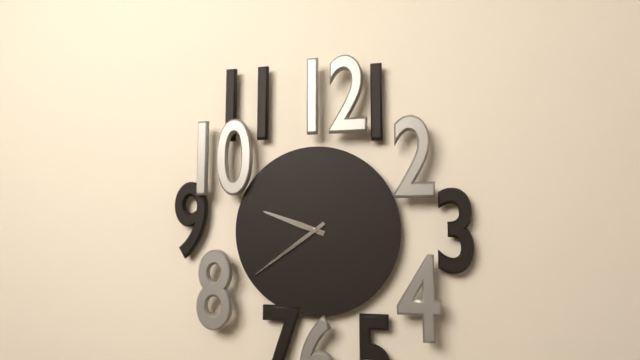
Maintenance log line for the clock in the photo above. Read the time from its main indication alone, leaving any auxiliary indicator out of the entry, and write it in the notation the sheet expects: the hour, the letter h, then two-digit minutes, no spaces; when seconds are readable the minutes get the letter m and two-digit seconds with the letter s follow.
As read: 9h39
